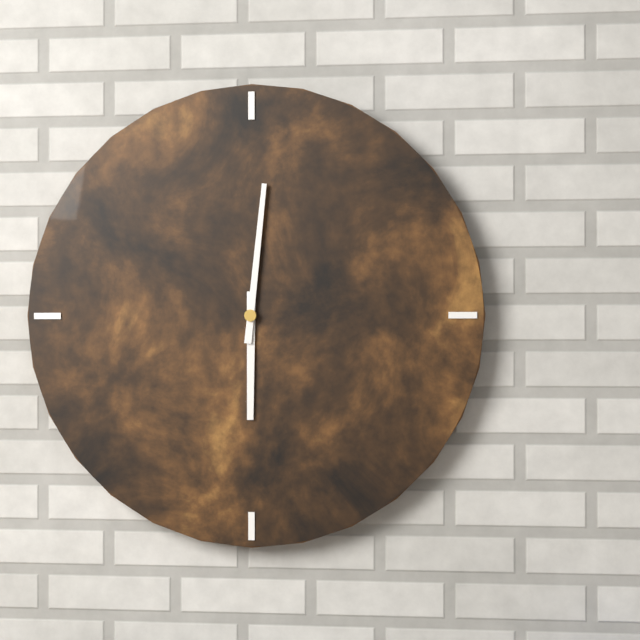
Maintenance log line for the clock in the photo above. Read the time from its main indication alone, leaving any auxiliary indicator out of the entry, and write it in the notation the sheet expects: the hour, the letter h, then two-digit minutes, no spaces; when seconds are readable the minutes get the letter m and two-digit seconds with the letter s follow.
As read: 6h01
